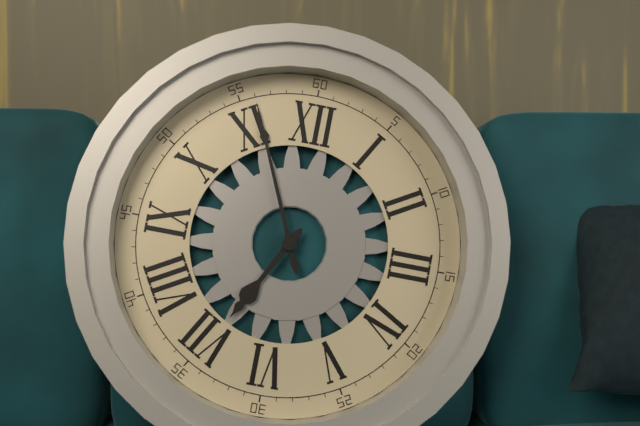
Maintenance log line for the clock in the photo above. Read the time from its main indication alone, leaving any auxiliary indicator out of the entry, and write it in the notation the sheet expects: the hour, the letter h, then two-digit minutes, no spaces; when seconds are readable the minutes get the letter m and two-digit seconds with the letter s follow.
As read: 6h56
